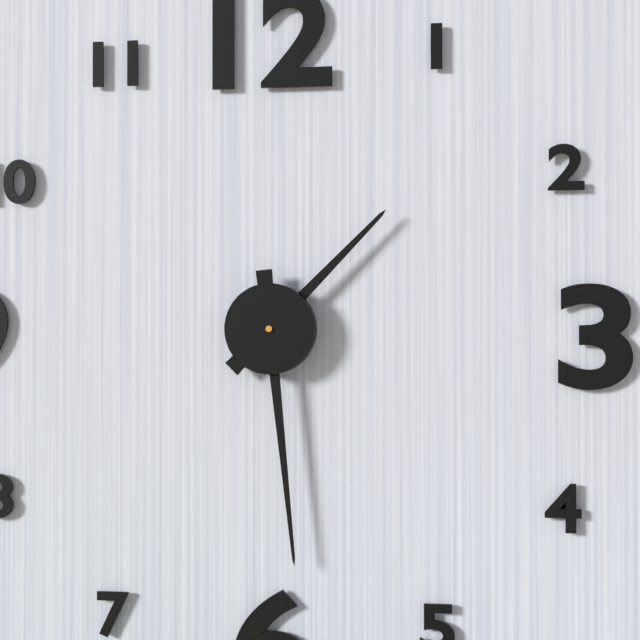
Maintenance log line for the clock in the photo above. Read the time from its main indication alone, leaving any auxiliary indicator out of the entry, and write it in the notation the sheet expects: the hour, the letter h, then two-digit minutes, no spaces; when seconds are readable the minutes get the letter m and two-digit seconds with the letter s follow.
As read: 1h29
